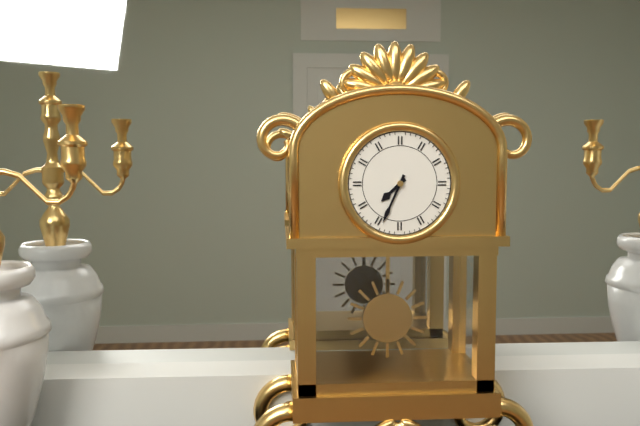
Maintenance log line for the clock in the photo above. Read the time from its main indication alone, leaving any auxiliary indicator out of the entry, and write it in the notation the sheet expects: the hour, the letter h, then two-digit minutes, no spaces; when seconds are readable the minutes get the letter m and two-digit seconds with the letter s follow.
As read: 7h34
